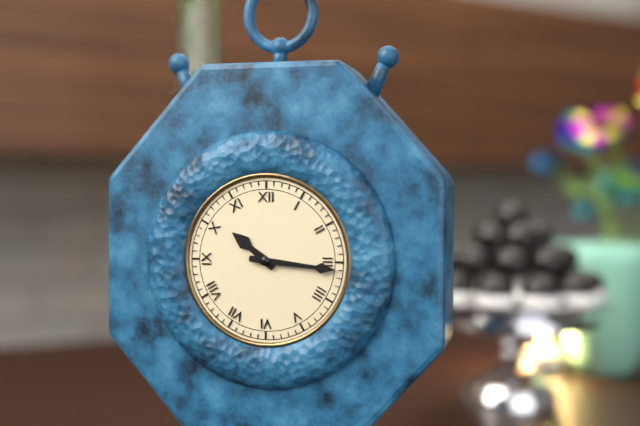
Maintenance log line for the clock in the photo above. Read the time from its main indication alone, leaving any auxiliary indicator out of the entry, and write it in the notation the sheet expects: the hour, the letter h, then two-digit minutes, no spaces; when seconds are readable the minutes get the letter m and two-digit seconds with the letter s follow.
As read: 10h16
